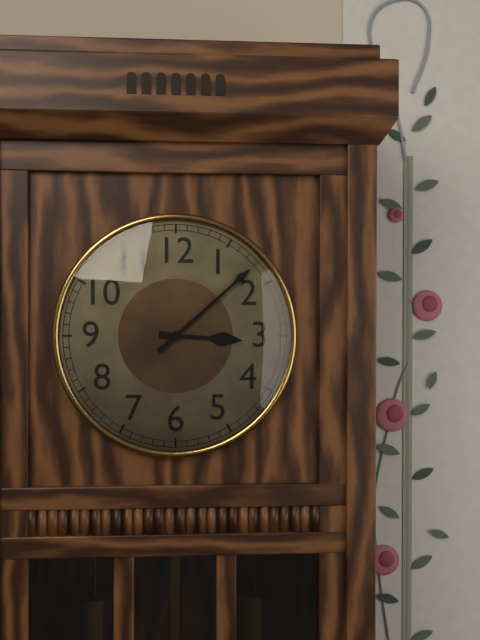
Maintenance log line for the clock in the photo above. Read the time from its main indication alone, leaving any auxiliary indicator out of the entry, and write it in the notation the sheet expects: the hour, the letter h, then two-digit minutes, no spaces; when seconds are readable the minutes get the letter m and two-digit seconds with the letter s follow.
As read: 3h08
